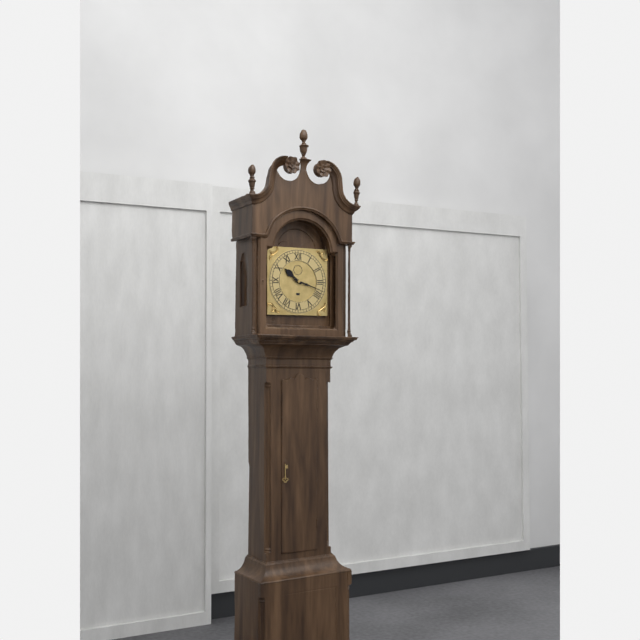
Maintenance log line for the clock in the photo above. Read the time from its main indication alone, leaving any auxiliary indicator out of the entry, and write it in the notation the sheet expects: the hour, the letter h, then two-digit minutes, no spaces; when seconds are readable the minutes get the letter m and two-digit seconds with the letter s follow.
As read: 10h18
